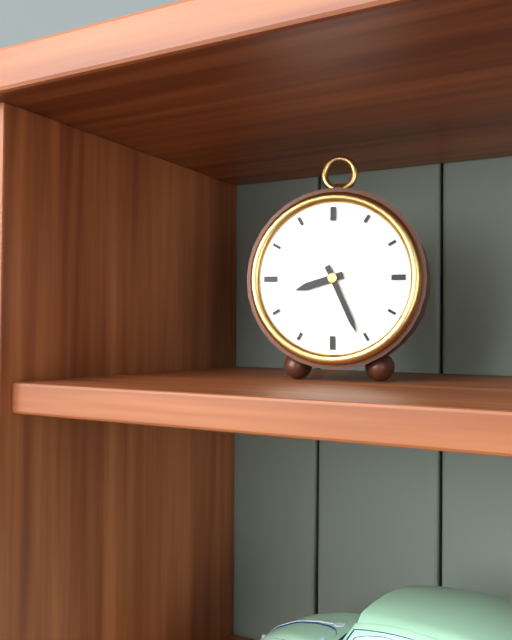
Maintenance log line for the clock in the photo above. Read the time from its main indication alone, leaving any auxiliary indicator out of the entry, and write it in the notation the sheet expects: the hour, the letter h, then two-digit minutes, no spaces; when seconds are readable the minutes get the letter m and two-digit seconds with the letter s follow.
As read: 8h26
